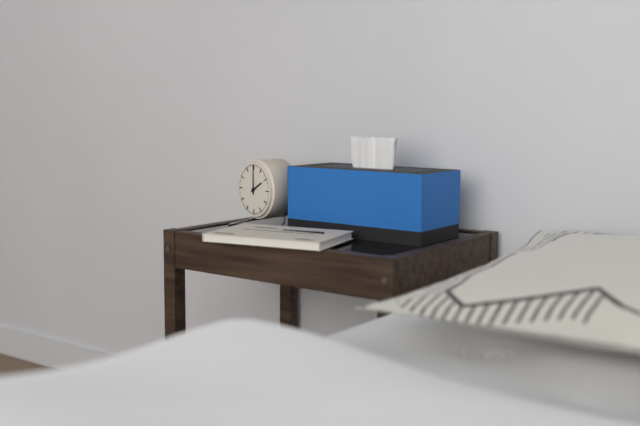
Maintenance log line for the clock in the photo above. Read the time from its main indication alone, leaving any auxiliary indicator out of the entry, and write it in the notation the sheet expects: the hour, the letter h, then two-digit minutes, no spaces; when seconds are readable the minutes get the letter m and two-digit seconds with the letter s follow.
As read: 2h00
